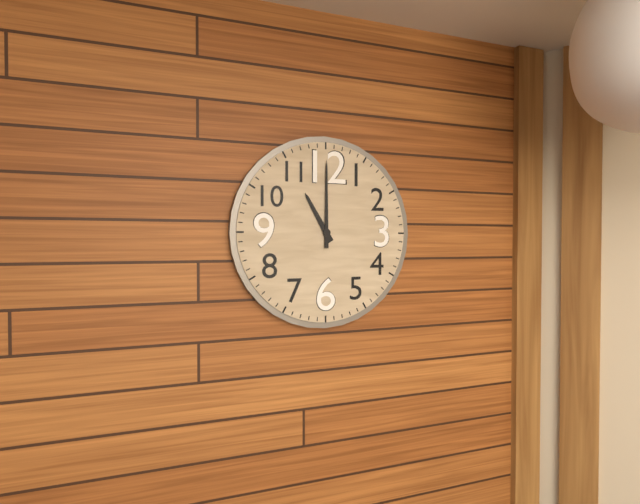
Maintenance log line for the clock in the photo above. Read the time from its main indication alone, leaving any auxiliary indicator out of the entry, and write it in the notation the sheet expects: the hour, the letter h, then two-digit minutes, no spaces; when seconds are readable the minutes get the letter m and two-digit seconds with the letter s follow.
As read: 11h00
